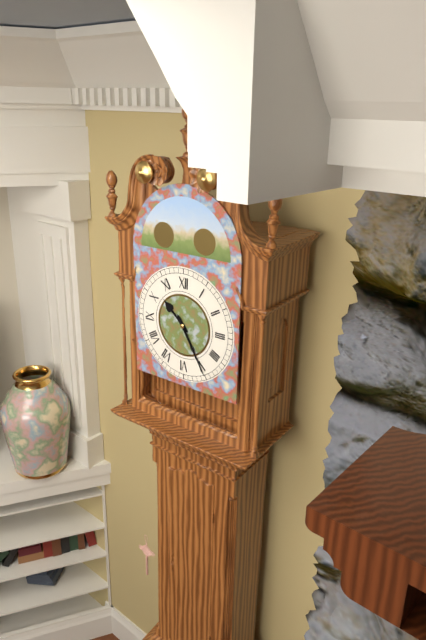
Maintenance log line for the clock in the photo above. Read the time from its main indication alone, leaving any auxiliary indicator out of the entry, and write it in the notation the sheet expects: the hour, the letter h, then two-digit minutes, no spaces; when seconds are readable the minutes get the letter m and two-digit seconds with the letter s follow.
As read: 10h25
